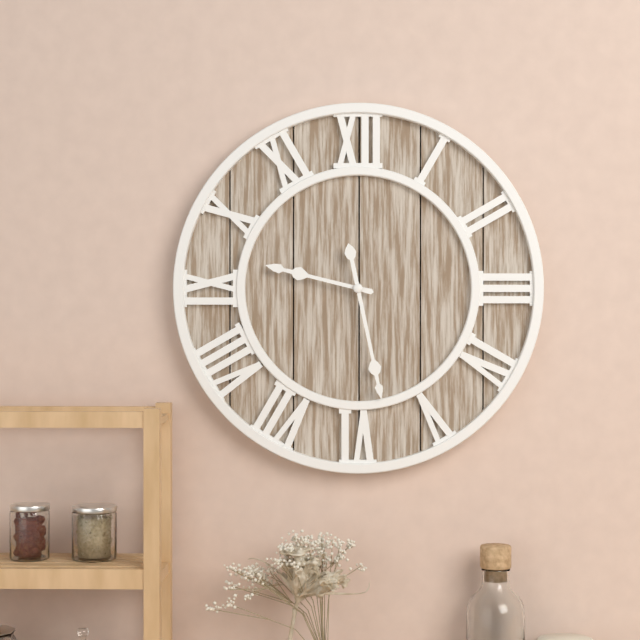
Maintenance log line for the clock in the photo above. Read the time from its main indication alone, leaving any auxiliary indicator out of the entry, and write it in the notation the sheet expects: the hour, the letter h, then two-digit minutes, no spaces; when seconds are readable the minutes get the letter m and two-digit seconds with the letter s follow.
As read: 9h28
